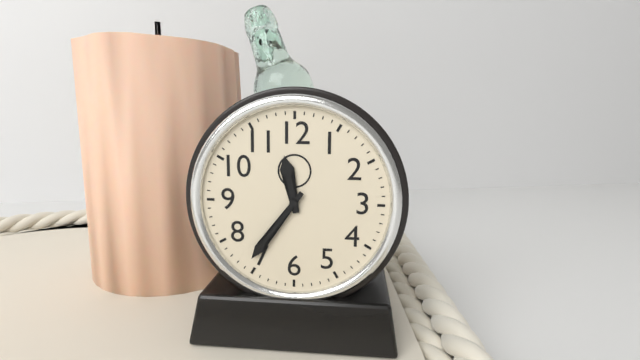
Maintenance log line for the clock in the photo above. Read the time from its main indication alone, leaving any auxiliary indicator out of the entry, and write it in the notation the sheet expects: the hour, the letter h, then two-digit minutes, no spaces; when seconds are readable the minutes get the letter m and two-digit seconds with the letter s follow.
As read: 11h36
